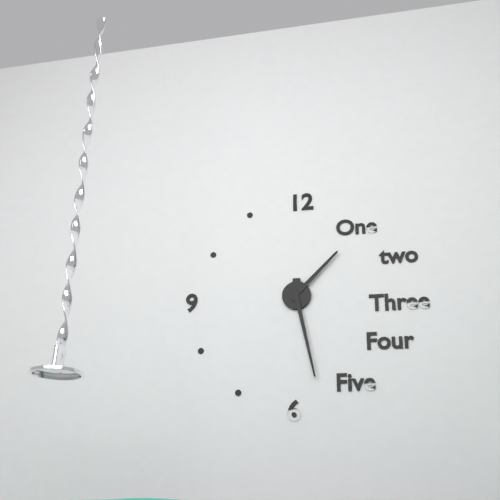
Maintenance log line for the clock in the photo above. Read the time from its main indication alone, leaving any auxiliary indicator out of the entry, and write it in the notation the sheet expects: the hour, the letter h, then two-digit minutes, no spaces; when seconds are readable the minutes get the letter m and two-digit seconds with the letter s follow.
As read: 1h28
